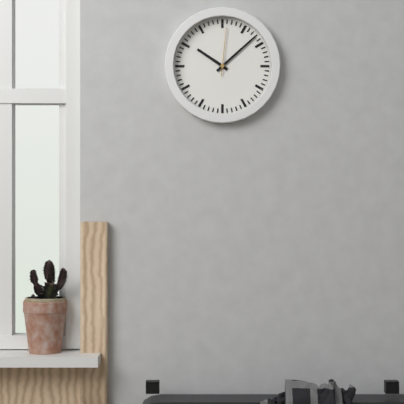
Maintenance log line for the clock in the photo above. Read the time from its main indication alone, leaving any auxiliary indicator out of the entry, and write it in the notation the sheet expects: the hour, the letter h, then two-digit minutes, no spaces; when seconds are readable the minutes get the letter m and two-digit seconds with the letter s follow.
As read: 10h08
